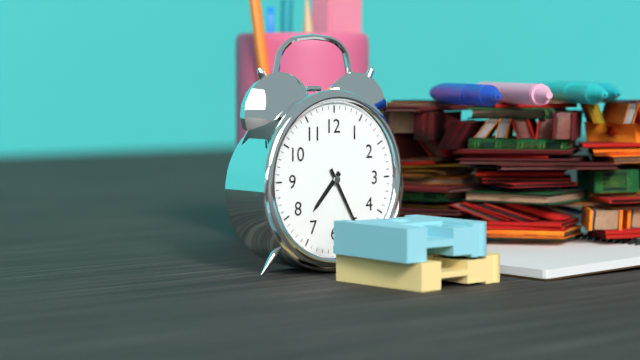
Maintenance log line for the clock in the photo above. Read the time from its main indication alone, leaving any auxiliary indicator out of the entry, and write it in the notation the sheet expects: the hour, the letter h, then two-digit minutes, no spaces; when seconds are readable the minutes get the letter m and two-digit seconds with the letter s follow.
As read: 7h25
